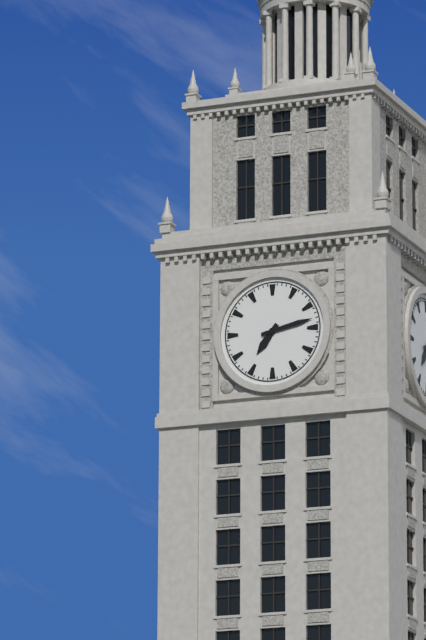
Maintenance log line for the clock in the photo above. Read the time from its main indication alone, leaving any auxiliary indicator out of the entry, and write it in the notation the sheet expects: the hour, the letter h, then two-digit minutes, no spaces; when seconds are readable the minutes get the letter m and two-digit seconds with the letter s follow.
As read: 7h13
